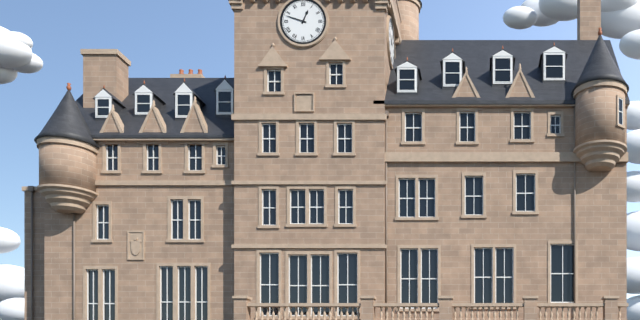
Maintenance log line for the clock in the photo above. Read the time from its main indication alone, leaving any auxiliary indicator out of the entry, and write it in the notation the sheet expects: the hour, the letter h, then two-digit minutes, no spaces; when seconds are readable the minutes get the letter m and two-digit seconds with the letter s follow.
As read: 12h48
